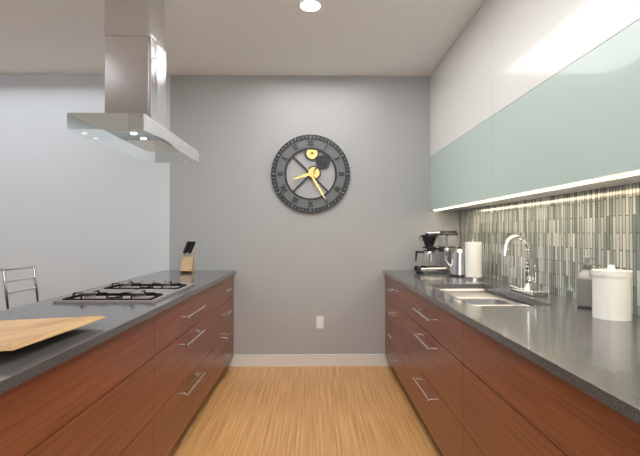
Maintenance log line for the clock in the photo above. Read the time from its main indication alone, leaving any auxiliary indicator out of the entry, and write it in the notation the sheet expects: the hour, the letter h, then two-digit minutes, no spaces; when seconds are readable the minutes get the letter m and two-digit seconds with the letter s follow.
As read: 8h25
